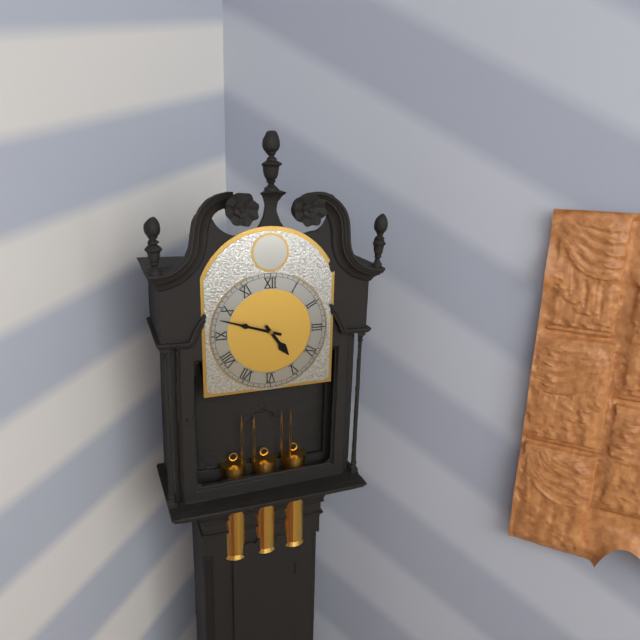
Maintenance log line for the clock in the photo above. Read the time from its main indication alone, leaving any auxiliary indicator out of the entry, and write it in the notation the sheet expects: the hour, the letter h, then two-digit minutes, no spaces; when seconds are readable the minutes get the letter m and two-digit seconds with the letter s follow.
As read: 4h48
